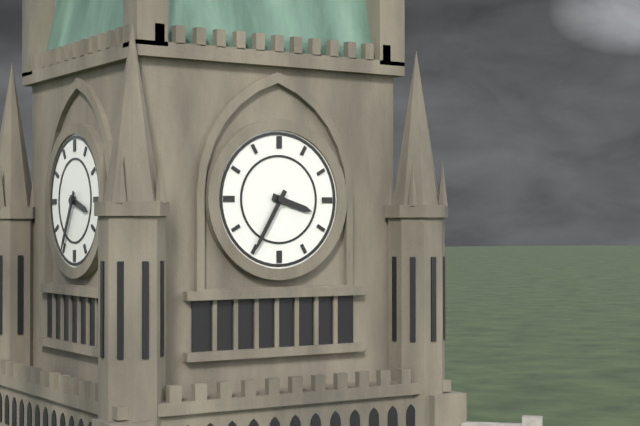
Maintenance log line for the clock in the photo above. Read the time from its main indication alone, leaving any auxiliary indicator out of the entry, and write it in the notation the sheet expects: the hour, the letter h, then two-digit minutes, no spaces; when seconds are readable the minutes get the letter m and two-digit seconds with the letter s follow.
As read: 3h35
